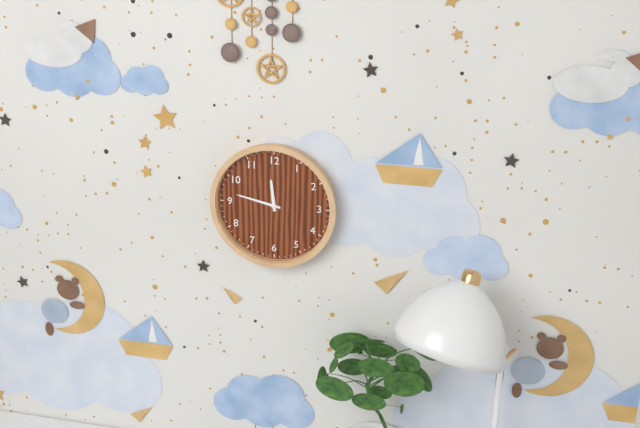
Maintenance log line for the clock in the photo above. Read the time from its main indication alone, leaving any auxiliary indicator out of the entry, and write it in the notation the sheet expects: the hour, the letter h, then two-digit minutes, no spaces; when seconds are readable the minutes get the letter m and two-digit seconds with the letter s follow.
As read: 11h47
